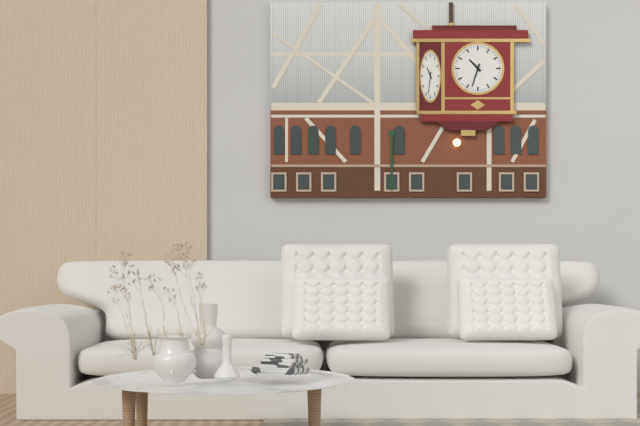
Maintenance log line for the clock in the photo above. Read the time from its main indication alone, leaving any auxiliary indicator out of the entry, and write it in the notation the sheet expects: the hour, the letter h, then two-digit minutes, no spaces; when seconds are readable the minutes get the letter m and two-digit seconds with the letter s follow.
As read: 10h33
